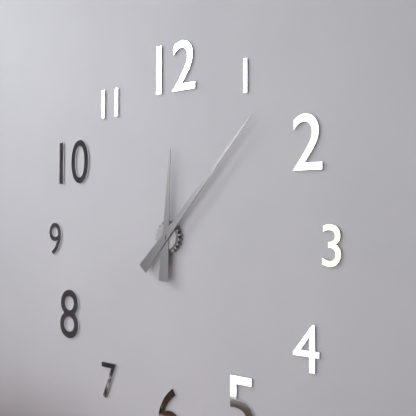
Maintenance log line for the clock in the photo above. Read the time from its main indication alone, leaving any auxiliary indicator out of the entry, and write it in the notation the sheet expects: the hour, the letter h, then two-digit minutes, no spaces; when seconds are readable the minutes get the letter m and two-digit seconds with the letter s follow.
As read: 12h07
